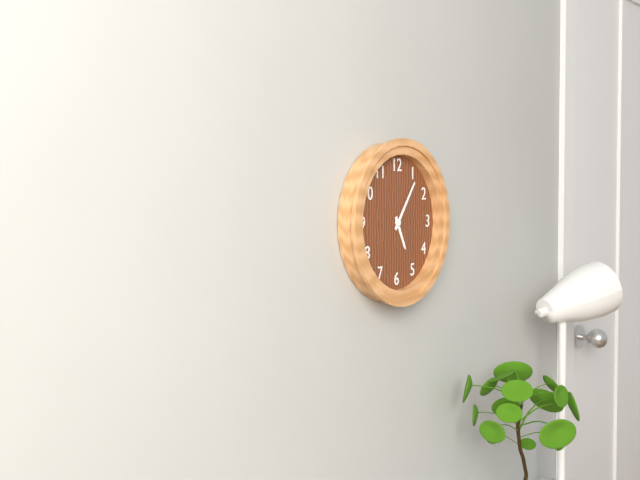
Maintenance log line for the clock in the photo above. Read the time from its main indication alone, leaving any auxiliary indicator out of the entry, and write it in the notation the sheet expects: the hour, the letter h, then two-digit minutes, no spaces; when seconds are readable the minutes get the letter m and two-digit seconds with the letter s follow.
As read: 5h06
